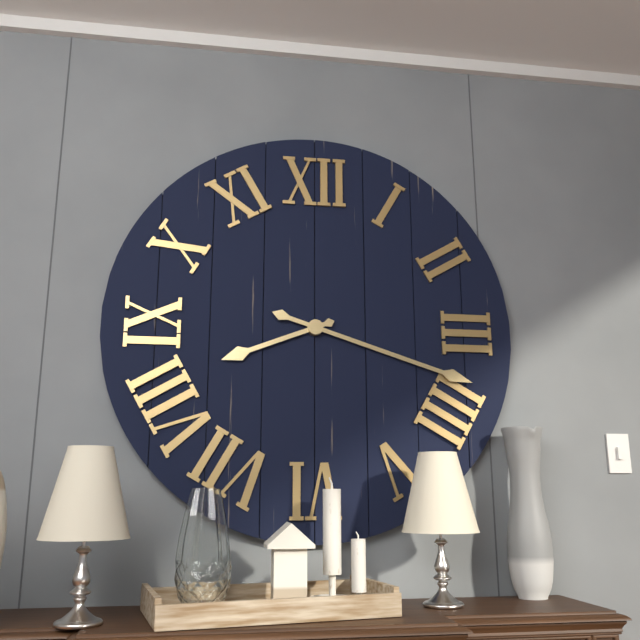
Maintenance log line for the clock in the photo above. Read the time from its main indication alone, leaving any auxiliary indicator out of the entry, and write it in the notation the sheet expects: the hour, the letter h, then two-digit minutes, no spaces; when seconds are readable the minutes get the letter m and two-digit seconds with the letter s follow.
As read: 8h18
